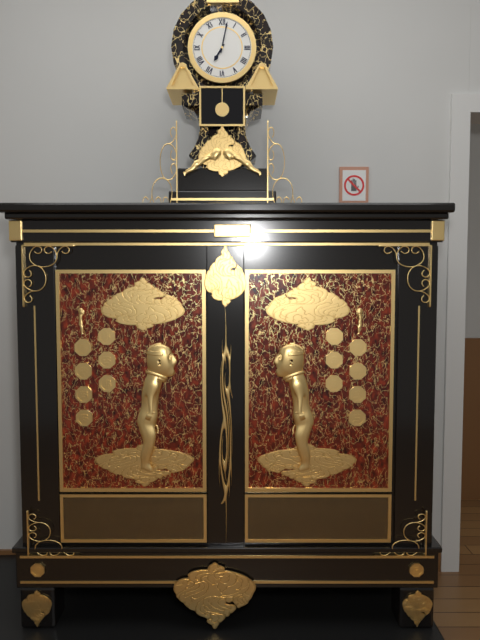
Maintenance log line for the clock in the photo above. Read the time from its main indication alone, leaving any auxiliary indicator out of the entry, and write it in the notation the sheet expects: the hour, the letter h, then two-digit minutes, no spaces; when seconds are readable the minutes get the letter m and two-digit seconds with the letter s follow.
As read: 7h02
